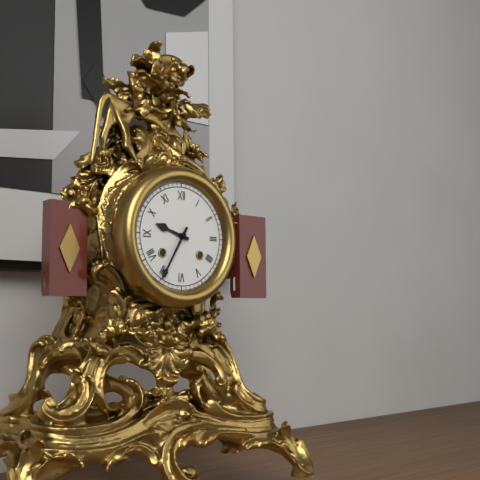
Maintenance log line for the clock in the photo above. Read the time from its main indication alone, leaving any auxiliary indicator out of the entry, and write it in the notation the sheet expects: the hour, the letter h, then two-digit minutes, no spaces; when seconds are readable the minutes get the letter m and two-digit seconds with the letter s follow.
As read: 9h35
